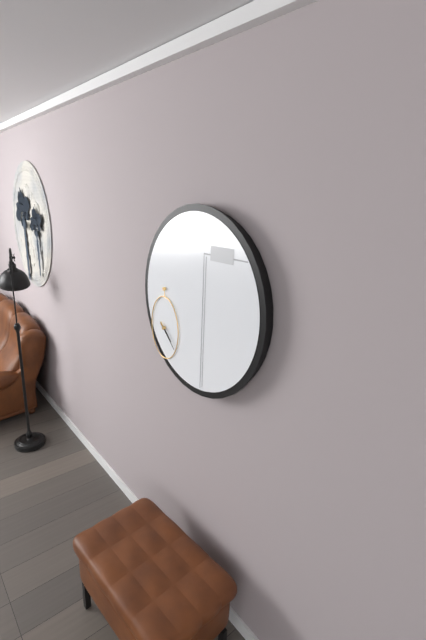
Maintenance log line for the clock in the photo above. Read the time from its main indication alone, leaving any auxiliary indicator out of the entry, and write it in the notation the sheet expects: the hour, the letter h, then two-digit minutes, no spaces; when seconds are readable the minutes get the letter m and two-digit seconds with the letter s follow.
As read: 4h22
